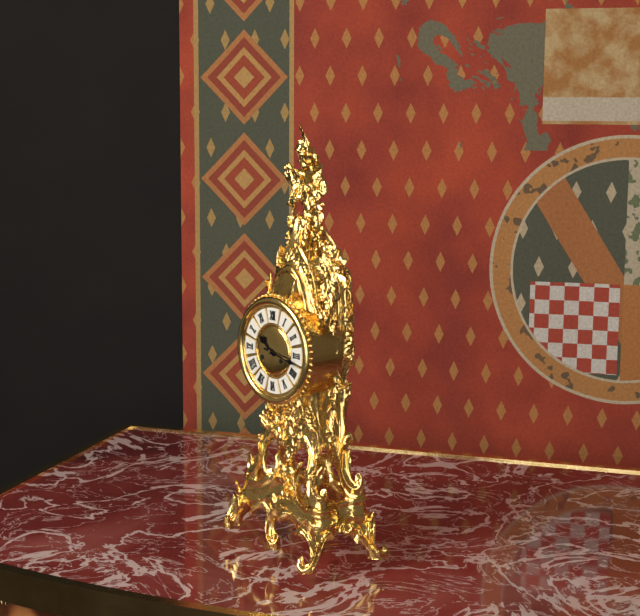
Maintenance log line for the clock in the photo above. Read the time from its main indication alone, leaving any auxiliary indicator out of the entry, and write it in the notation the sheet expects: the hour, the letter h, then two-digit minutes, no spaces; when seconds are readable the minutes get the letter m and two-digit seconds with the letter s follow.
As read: 10h17
